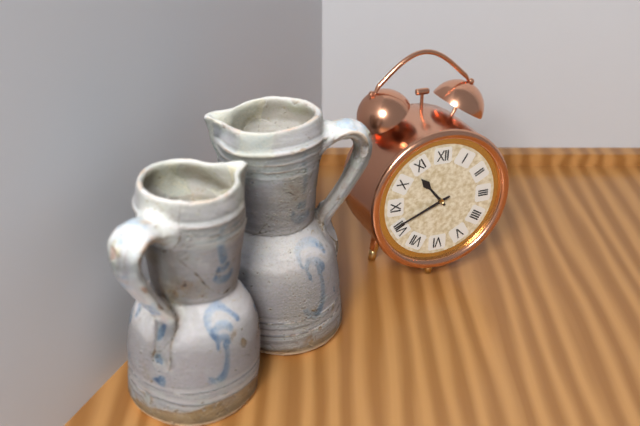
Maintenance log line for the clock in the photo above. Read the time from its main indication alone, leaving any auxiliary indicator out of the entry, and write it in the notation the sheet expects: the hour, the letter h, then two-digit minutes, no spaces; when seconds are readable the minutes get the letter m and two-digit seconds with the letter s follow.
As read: 10h41
